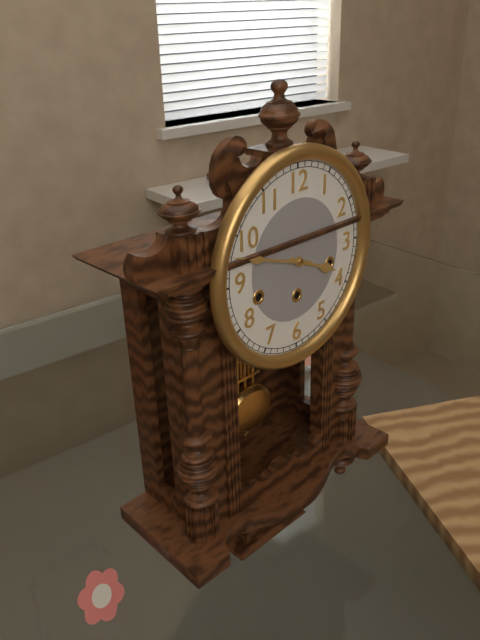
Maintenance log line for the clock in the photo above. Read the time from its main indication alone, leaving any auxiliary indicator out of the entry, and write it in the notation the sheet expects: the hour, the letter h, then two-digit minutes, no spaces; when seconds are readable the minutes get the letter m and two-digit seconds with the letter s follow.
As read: 3h48
